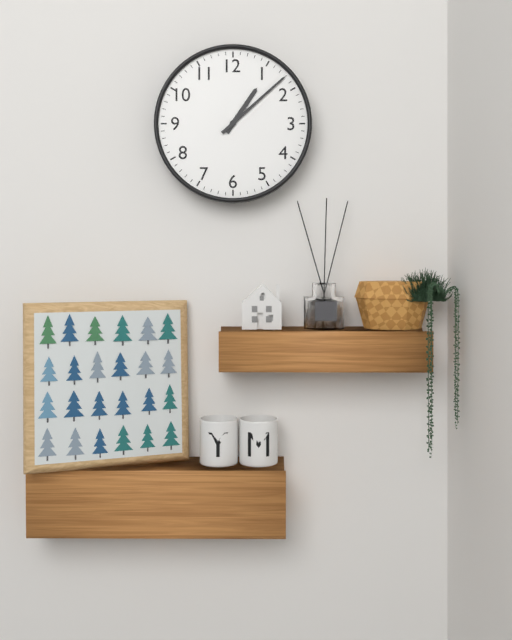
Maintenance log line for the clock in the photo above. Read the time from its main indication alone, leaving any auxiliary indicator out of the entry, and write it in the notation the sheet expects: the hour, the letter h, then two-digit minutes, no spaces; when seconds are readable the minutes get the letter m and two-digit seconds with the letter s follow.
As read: 1h08
